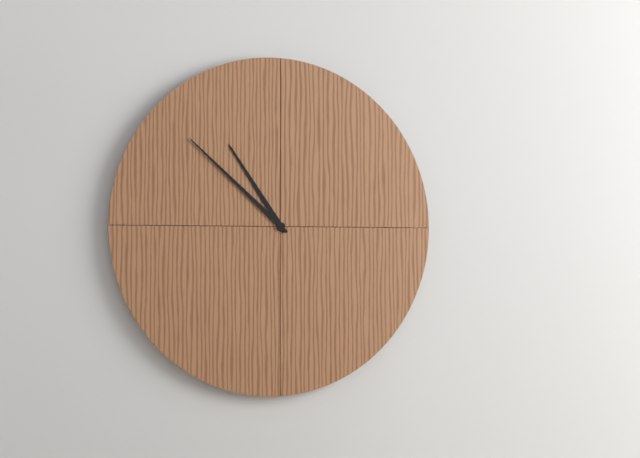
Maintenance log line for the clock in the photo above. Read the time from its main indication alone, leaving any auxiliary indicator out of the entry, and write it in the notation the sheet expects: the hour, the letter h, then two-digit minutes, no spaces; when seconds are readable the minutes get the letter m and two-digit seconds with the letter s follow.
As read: 10h52
